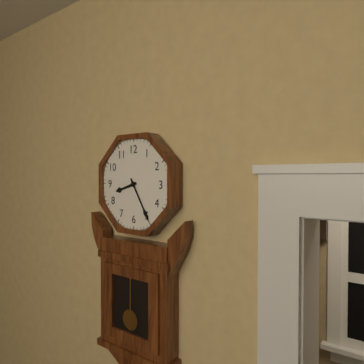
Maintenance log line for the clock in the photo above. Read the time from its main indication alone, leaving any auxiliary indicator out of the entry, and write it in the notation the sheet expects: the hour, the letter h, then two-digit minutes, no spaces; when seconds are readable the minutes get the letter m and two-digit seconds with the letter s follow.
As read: 8h25
